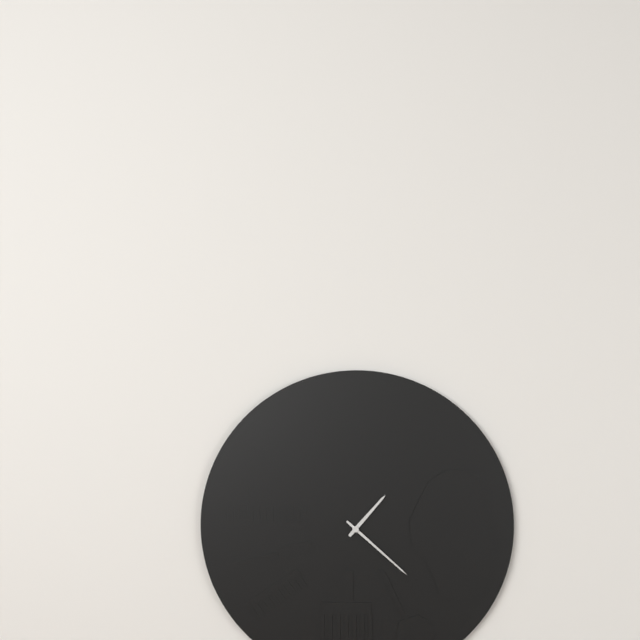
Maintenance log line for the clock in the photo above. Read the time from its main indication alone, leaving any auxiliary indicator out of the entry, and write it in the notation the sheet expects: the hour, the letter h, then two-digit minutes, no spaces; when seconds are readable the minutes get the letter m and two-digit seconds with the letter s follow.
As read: 1h22
